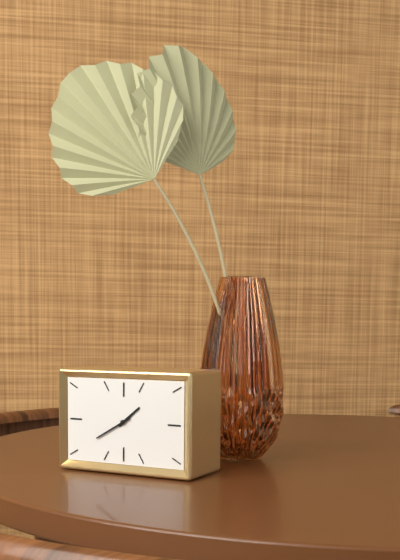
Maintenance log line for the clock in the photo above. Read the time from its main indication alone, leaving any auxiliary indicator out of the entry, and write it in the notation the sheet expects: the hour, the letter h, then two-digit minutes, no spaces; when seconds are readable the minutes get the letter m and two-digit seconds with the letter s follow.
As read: 1h40
